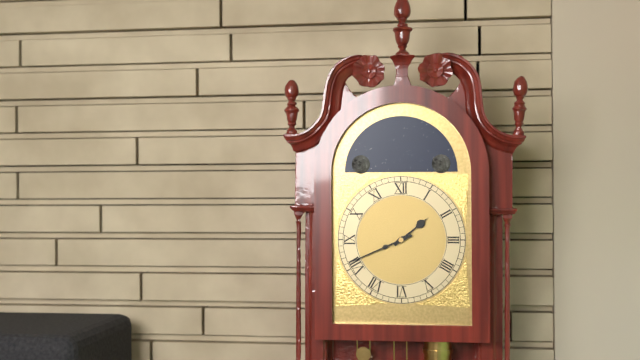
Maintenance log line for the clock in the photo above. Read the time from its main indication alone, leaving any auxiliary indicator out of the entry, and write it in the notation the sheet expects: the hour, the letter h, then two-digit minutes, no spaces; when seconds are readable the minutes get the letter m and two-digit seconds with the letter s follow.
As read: 1h41
